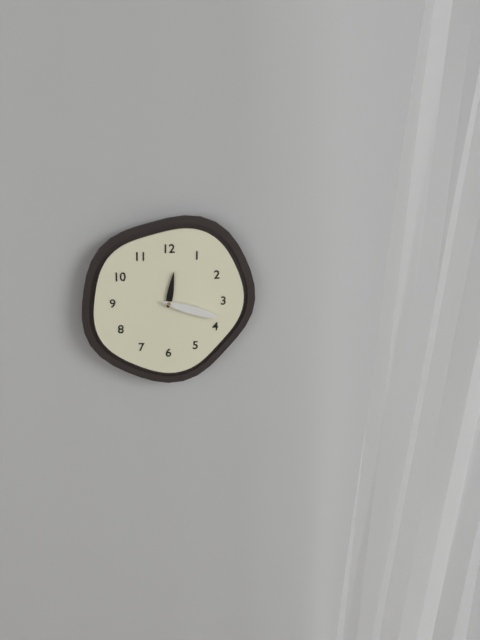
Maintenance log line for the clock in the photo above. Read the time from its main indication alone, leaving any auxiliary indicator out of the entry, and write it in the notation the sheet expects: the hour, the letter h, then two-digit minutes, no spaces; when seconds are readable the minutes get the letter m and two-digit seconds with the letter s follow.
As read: 12h18
